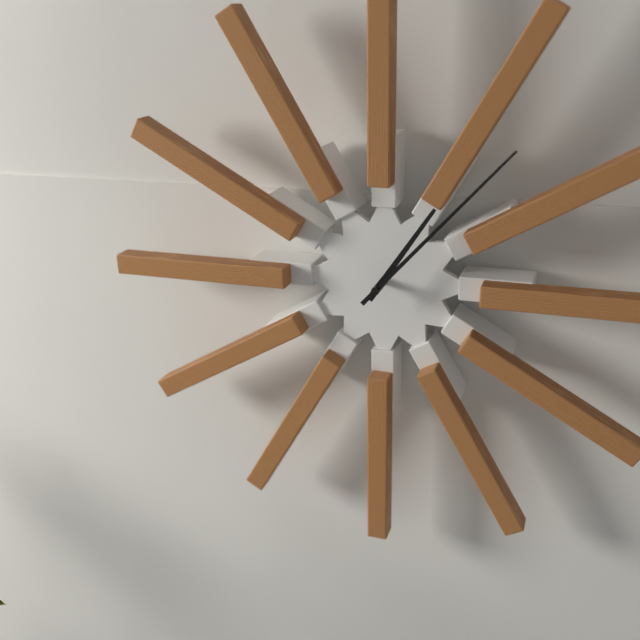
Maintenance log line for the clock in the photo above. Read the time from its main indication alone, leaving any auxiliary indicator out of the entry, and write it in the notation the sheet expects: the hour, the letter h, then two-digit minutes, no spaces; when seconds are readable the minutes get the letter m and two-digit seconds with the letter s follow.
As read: 1h07
